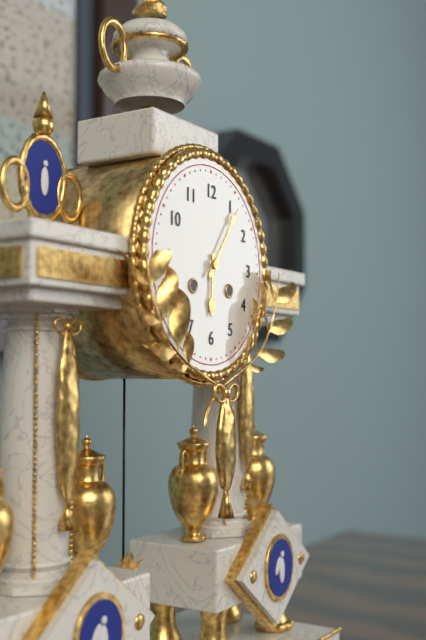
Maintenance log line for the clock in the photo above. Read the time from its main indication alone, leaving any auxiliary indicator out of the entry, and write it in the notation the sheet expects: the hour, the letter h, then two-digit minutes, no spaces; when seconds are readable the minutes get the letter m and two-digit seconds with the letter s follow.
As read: 6h06
